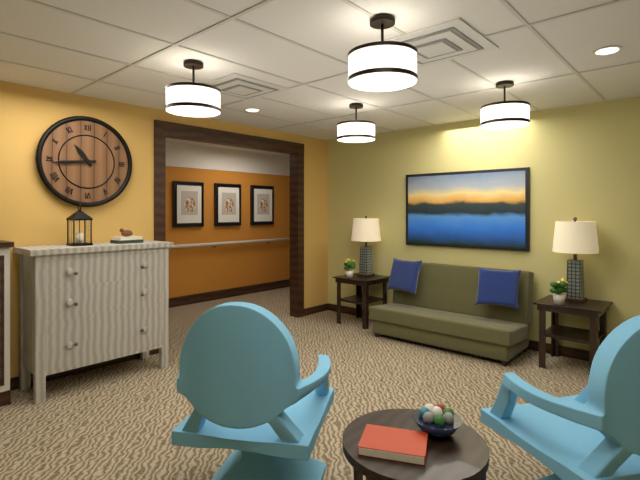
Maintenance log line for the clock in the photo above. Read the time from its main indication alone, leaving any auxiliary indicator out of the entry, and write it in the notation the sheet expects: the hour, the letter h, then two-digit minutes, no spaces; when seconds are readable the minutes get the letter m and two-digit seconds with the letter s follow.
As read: 10h44
